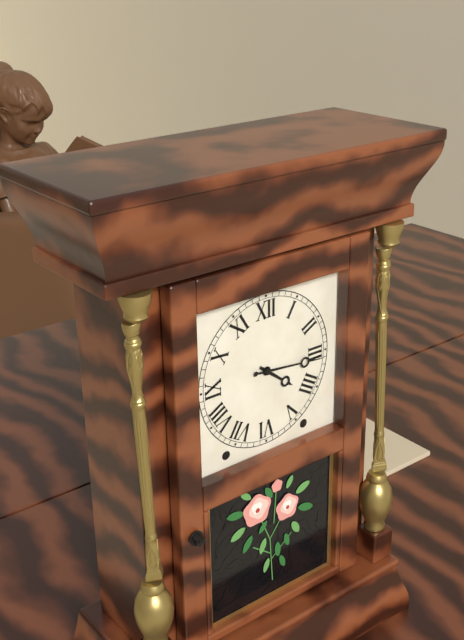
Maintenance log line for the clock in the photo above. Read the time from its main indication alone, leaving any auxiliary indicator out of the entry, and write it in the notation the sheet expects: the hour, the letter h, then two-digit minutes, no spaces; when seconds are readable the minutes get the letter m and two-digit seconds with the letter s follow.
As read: 4h16
